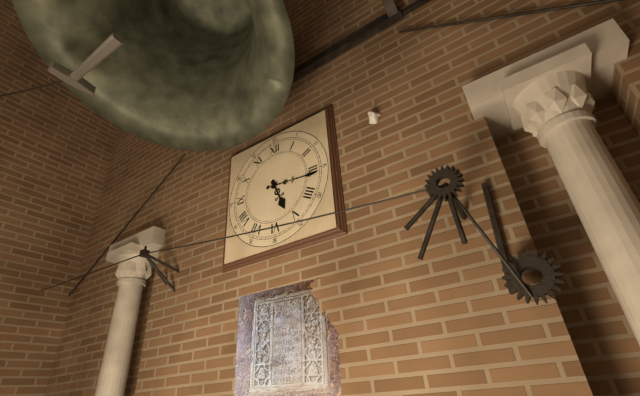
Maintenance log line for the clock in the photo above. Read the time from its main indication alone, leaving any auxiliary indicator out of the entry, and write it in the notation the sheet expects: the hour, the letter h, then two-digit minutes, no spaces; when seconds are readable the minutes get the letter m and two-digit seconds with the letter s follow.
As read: 5h16
